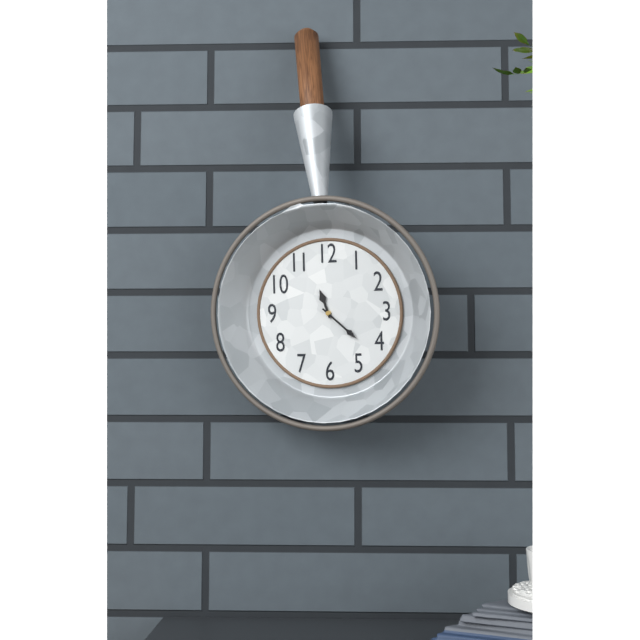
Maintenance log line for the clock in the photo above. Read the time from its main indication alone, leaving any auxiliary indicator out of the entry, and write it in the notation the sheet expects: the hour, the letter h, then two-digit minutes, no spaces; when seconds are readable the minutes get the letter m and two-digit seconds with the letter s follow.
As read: 11h22
